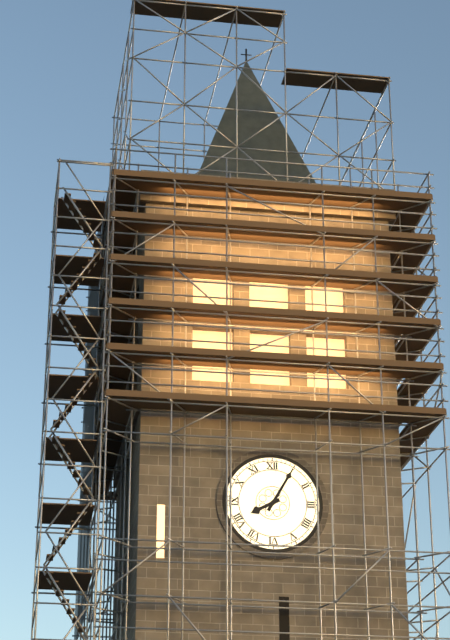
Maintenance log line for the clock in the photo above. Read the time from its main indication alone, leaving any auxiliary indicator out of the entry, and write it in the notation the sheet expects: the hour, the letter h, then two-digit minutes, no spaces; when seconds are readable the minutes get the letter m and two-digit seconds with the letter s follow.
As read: 8h05
